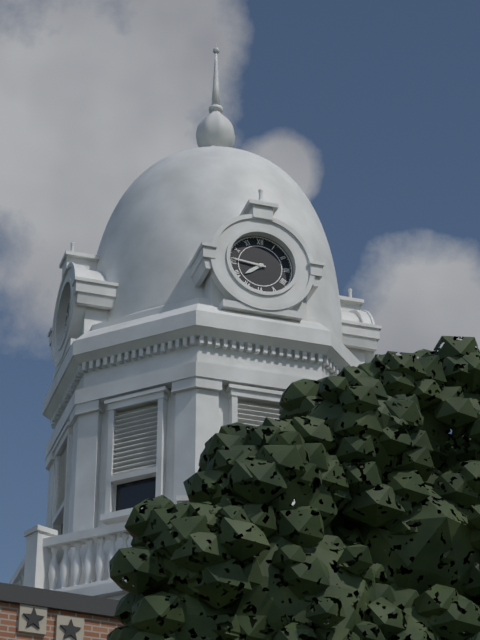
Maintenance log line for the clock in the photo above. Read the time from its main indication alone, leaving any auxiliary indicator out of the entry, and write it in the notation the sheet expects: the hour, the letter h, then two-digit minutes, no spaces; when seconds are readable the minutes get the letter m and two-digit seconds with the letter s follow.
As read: 7h46
